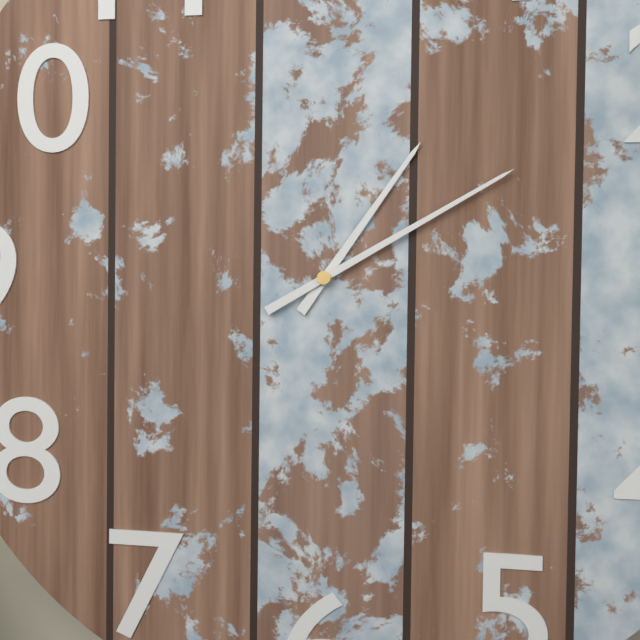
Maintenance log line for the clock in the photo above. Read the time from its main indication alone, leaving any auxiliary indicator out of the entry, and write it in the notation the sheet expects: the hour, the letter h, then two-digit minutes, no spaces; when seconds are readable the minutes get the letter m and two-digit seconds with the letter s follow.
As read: 1h10
